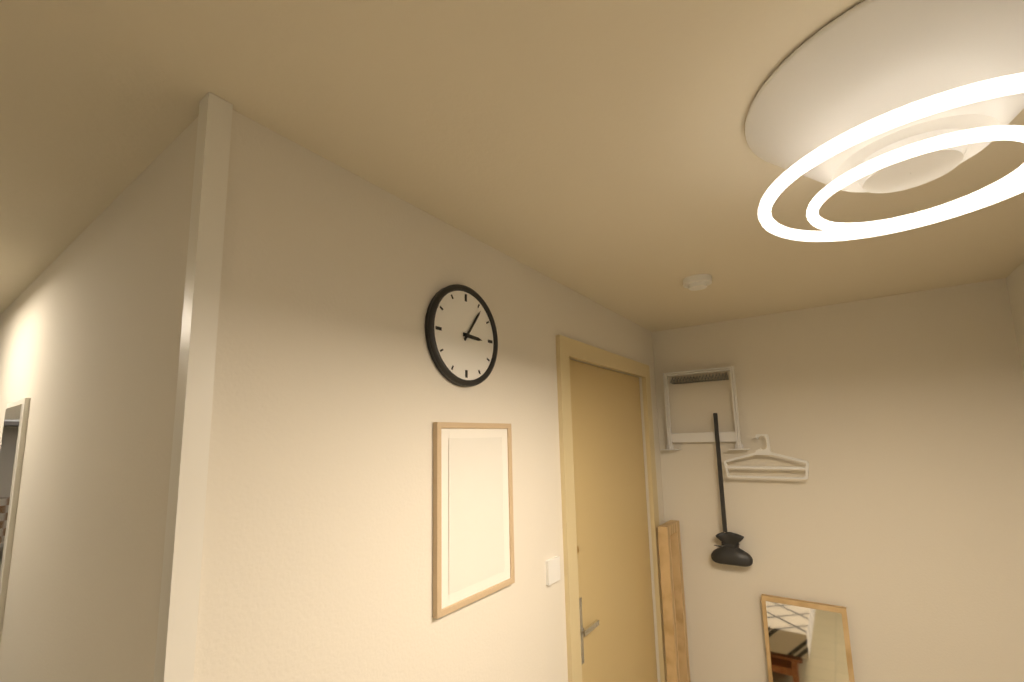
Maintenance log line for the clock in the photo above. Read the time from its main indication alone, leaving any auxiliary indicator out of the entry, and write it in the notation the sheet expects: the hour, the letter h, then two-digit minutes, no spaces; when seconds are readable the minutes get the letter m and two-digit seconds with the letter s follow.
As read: 3h06
